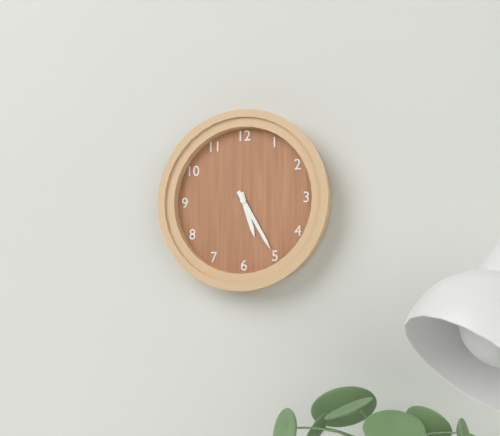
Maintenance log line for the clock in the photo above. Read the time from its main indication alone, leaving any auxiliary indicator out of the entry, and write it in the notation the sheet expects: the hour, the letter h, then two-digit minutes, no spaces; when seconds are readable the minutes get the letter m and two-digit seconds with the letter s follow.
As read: 5h25
